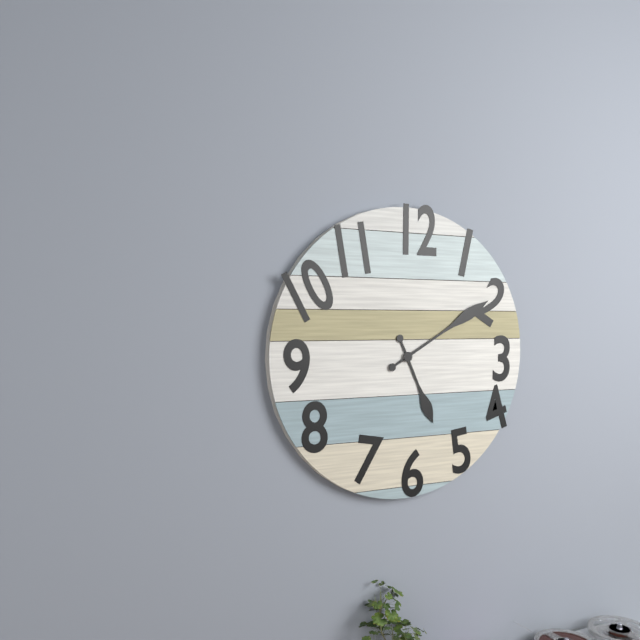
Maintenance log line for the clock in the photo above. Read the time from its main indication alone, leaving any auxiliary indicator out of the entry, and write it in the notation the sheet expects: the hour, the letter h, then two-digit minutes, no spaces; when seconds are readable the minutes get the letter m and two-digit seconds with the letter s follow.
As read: 5h10
